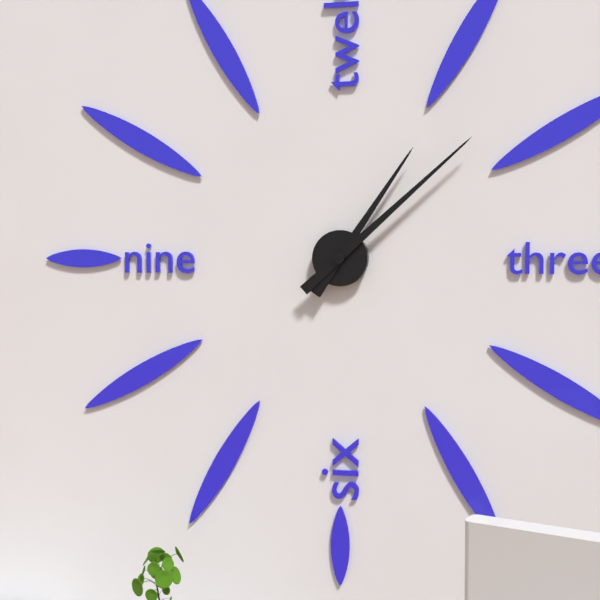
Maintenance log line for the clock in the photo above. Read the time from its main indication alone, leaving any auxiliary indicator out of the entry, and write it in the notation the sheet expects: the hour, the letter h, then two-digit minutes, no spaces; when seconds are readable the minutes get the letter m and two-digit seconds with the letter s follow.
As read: 1h08
